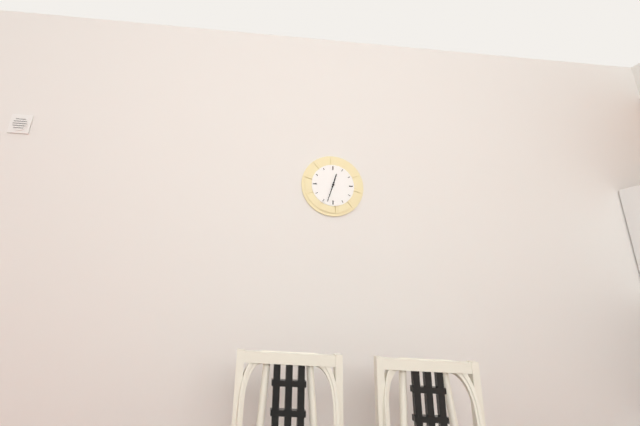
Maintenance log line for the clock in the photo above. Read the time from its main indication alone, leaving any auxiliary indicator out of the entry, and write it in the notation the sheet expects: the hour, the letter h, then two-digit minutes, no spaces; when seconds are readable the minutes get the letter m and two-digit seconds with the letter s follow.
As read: 12h33
